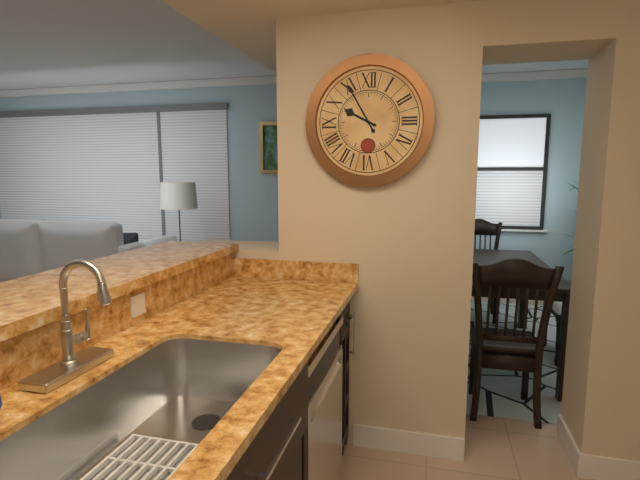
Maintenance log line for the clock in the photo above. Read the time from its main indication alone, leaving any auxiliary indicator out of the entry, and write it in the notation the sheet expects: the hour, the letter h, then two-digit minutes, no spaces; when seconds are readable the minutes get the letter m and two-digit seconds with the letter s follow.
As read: 9h55
